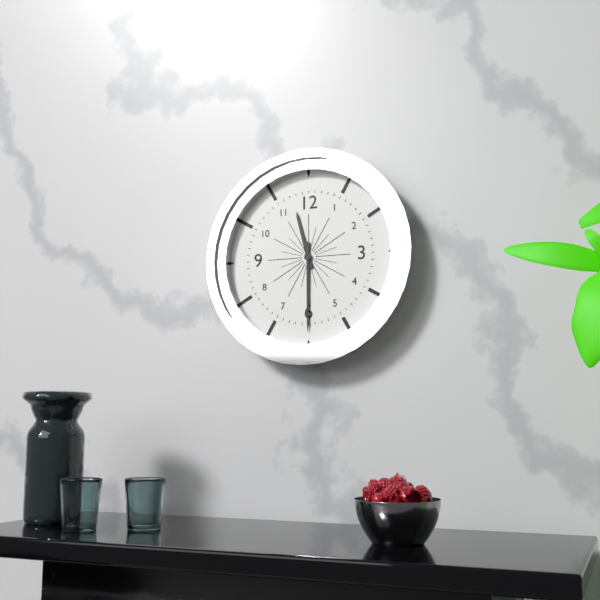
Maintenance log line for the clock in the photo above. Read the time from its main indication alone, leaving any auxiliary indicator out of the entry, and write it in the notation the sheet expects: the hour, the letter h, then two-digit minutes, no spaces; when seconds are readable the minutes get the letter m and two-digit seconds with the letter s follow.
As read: 11h30
